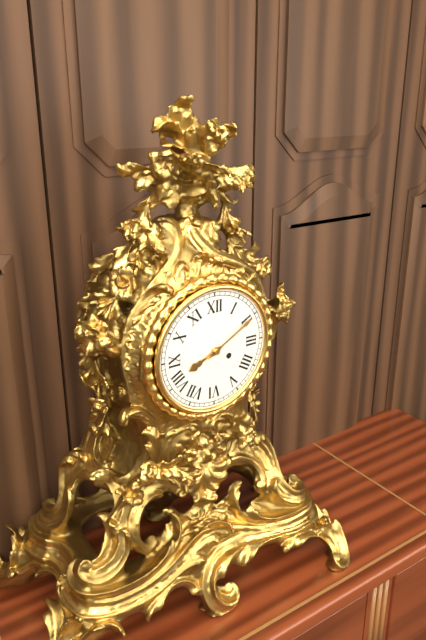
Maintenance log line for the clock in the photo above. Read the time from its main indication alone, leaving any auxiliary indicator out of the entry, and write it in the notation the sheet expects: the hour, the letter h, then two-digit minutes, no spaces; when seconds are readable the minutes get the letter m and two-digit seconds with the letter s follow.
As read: 8h10
